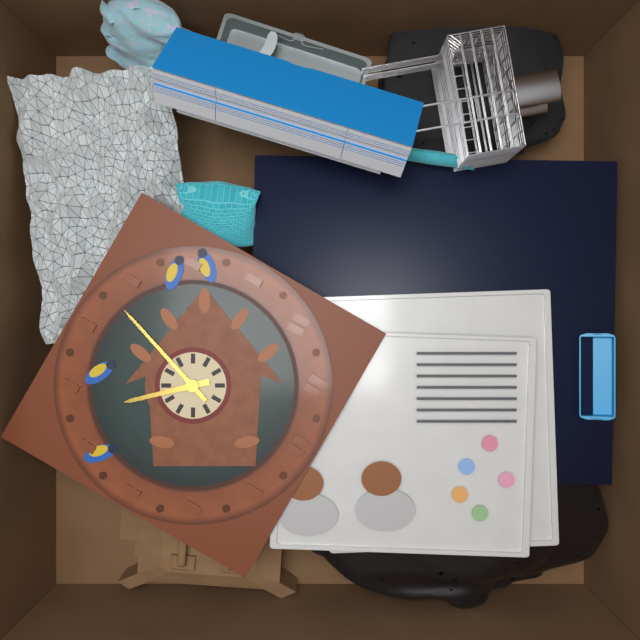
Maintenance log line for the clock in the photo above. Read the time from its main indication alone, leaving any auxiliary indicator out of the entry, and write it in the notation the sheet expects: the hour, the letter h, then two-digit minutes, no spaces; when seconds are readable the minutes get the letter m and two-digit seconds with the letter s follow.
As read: 4h33
